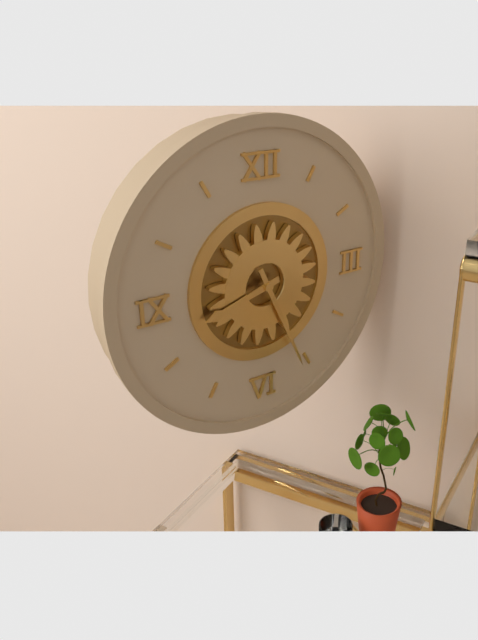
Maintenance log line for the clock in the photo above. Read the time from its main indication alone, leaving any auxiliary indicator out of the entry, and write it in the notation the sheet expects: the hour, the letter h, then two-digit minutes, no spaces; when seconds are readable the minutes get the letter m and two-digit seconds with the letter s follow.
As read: 8h26
